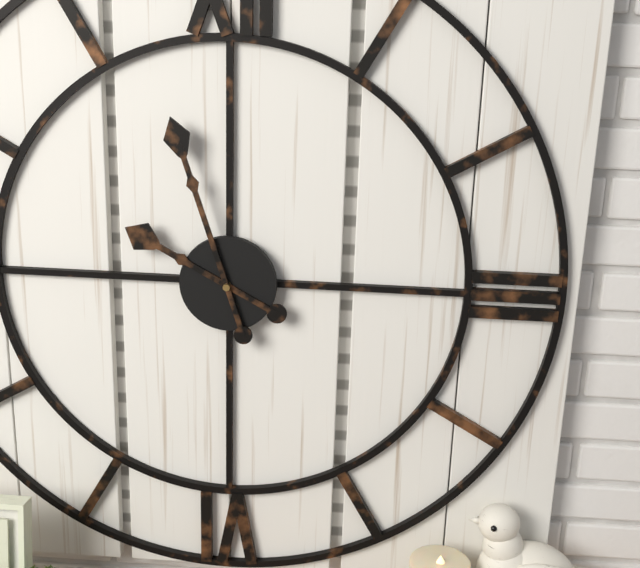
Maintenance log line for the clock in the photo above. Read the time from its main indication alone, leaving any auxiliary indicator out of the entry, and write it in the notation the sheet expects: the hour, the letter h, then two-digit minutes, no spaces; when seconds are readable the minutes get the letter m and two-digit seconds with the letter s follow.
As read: 9h57
